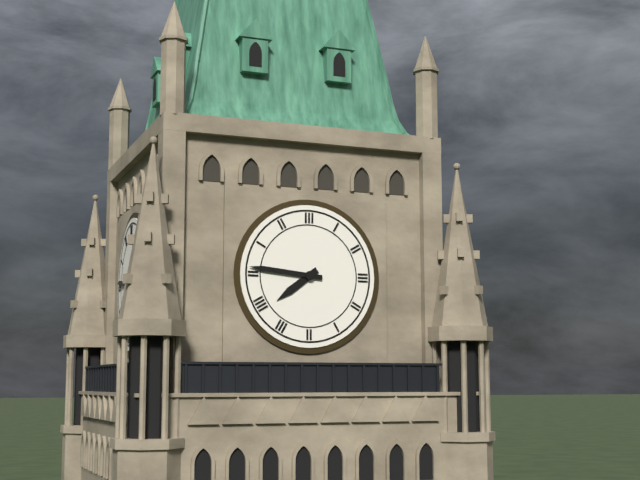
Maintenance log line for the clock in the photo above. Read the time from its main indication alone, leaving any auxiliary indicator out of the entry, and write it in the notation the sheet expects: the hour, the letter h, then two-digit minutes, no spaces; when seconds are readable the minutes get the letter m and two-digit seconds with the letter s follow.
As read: 7h46
